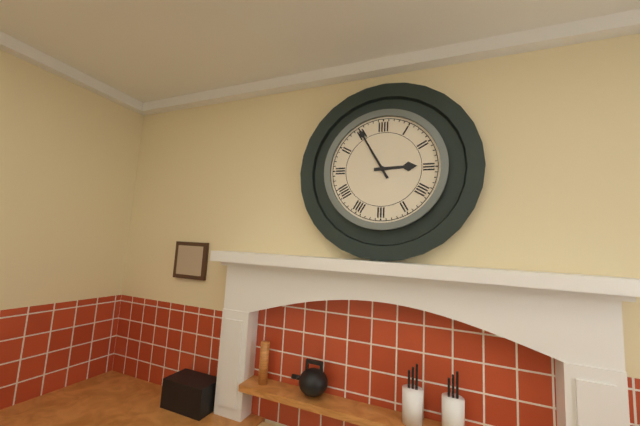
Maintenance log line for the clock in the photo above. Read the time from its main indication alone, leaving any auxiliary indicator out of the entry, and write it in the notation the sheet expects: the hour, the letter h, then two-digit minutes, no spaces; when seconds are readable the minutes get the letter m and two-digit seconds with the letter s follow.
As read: 2h55
